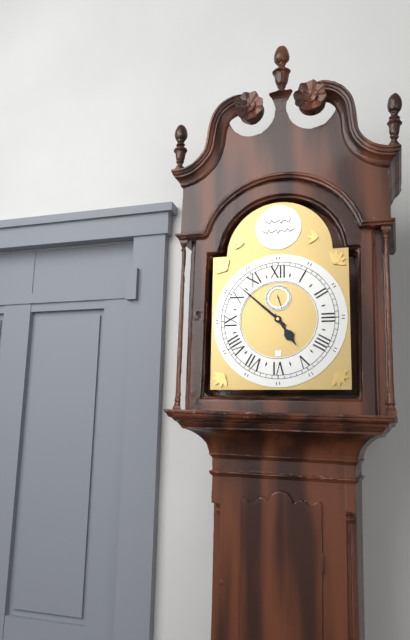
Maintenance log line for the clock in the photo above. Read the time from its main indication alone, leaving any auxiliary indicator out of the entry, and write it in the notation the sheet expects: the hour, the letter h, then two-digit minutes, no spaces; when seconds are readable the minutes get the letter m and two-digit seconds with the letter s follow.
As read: 4h52
